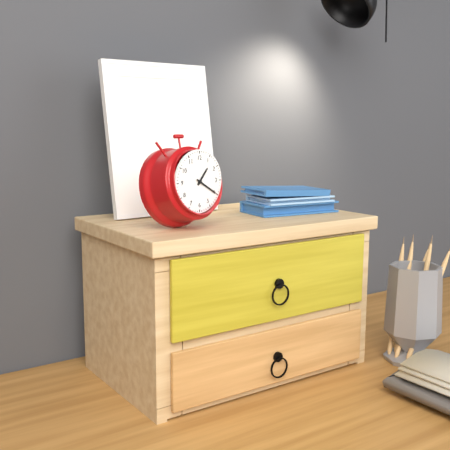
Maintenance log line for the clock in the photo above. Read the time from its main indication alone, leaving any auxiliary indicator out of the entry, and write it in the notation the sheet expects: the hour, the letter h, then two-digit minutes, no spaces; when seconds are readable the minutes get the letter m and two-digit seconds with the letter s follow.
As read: 1h20
